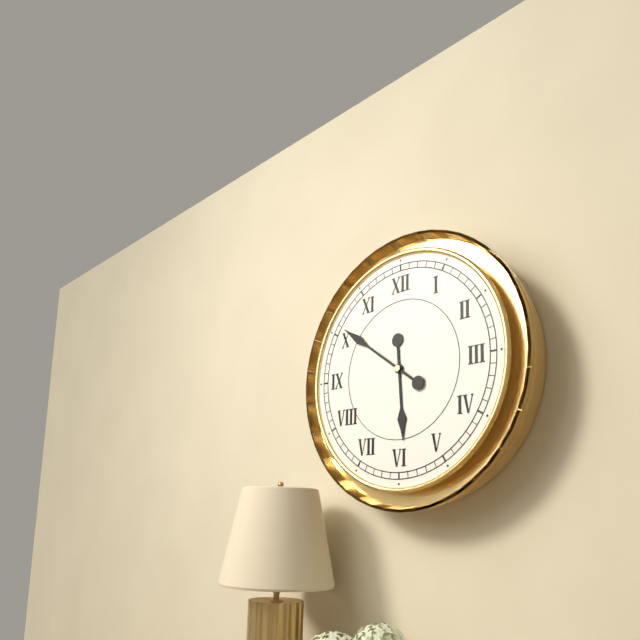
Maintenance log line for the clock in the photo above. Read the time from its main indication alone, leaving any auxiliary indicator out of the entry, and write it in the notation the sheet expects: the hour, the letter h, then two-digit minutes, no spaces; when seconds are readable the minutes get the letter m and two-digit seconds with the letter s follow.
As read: 5h51
